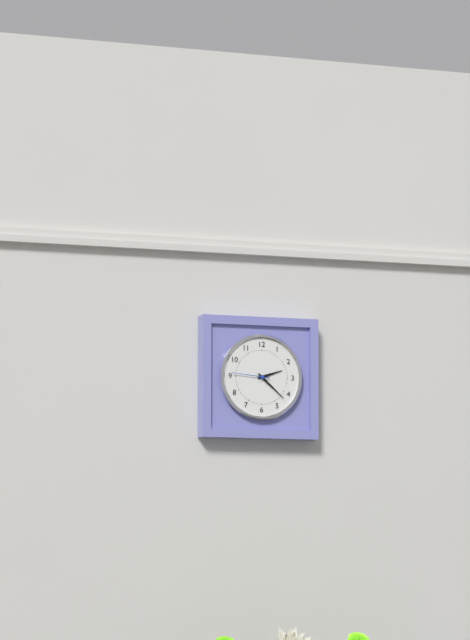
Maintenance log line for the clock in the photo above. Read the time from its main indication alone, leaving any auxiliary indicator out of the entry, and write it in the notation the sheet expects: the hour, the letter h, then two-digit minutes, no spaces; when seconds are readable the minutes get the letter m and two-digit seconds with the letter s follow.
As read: 2h22
